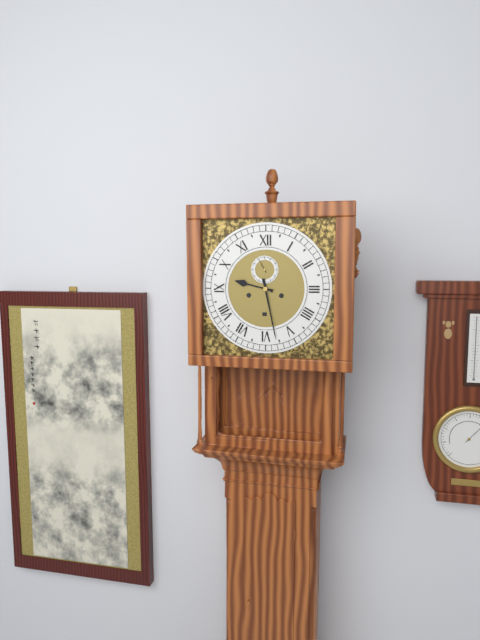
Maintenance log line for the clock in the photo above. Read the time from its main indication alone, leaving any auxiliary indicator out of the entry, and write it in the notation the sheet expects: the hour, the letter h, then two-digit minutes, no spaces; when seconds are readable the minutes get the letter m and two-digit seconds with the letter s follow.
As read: 9h28
